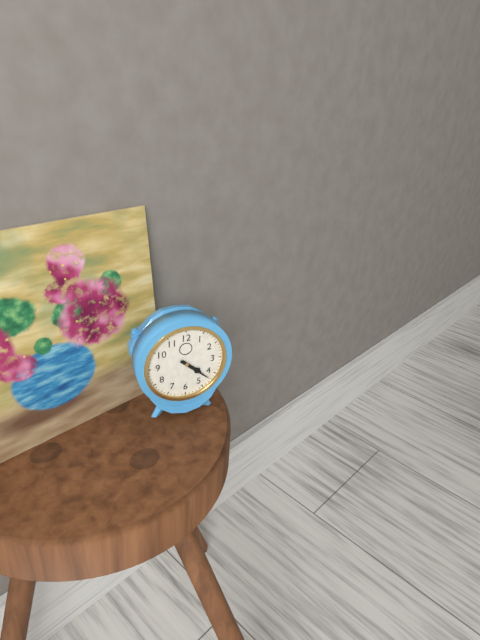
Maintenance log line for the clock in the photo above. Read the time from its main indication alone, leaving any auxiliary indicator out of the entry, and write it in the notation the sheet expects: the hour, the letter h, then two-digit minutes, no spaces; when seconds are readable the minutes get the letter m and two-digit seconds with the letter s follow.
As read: 4h22
